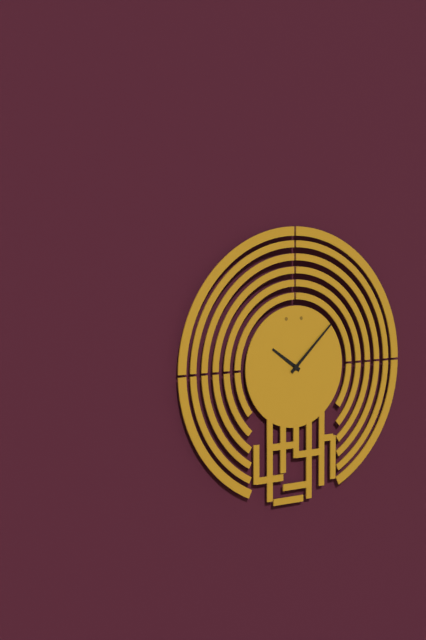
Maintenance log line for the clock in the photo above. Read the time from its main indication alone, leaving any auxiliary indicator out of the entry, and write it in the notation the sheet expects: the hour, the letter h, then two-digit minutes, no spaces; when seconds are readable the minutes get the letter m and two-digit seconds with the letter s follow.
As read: 10h08
